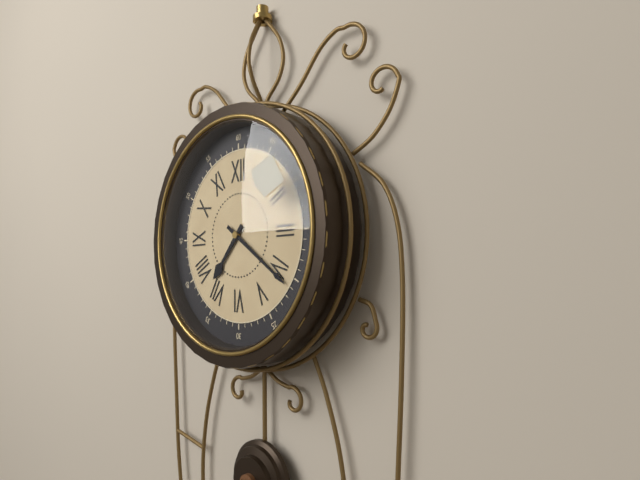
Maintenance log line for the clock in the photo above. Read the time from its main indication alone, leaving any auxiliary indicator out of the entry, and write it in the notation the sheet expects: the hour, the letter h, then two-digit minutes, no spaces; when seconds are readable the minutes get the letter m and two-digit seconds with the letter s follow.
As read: 7h21
